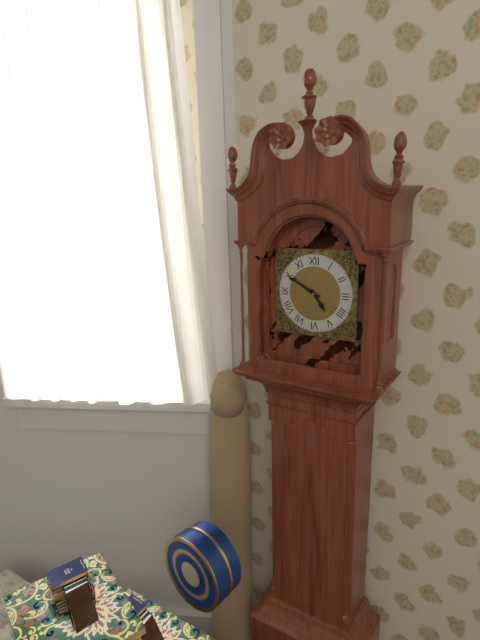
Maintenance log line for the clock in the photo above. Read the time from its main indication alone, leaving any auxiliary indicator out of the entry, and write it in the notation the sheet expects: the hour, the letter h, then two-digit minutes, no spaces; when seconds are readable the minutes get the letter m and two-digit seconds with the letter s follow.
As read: 4h50
